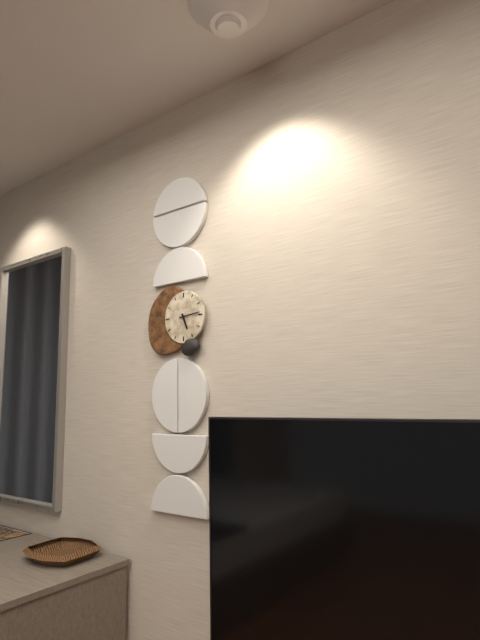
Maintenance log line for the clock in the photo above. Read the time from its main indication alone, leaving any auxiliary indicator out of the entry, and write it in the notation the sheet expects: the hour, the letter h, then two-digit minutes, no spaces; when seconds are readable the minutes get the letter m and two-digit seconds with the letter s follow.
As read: 5h14
